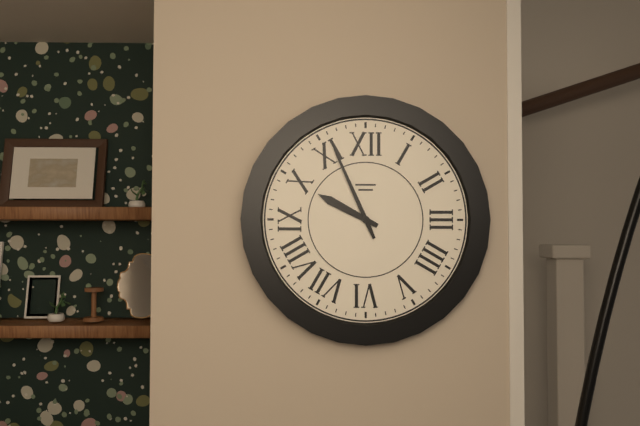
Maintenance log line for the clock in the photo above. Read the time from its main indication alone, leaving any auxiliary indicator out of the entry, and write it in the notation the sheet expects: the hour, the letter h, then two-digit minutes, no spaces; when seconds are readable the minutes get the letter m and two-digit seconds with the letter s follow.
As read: 9h56
